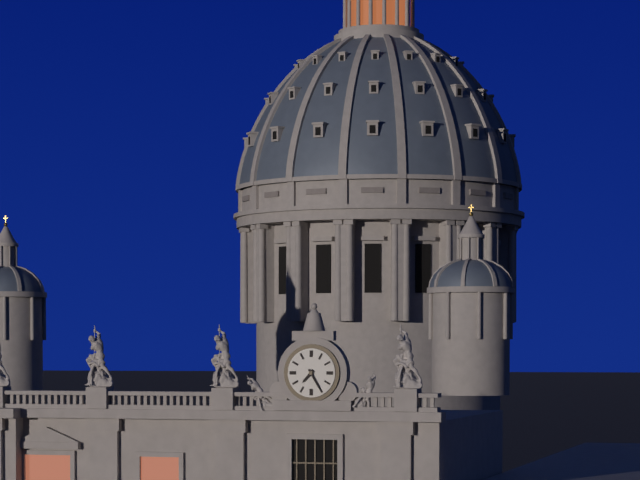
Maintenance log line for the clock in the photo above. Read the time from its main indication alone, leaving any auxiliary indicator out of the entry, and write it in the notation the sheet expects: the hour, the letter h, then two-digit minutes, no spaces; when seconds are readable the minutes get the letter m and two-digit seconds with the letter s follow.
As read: 7h25
